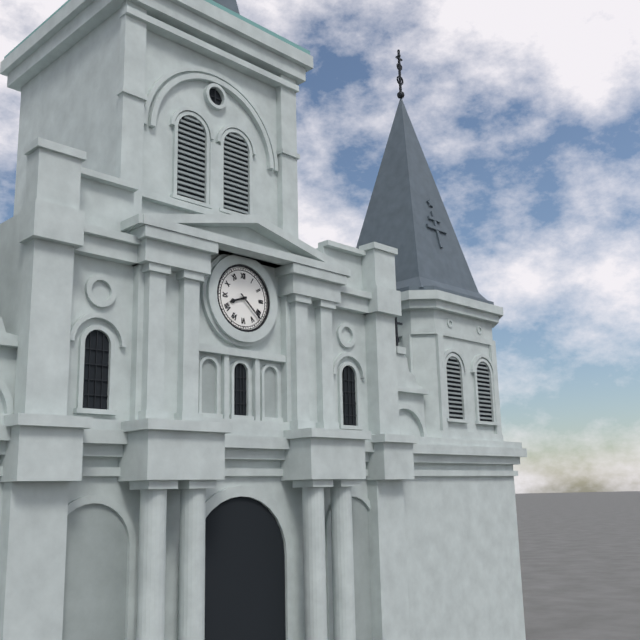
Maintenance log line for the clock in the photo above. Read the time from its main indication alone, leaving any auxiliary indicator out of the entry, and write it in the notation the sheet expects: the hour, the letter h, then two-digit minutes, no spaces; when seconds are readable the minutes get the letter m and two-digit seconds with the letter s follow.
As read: 8h22
